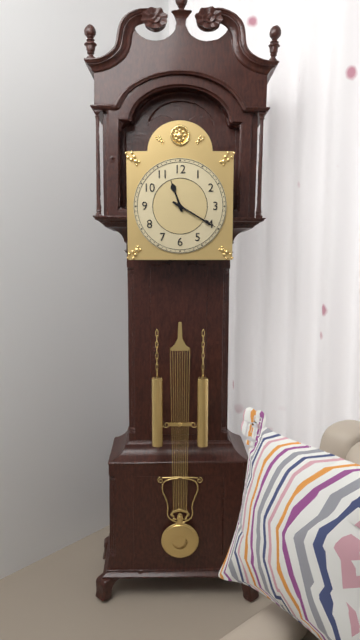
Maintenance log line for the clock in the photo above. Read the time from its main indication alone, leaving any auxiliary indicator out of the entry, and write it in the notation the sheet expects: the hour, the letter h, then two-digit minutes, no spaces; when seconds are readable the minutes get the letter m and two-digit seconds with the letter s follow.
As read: 11h20
